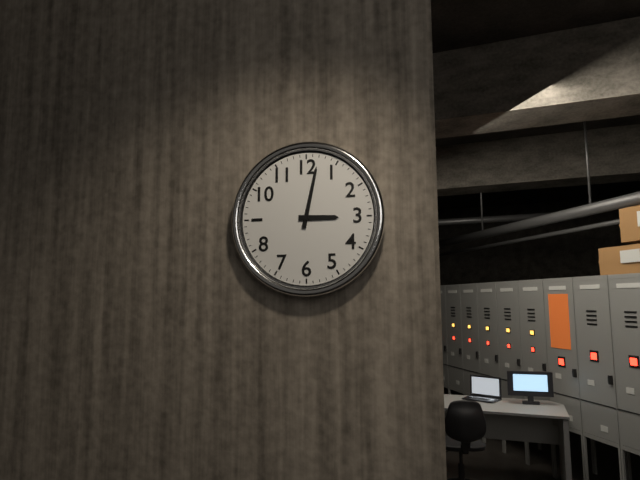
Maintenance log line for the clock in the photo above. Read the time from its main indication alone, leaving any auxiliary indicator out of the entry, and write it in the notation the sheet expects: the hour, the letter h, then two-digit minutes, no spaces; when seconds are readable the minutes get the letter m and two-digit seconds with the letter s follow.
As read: 3h02
